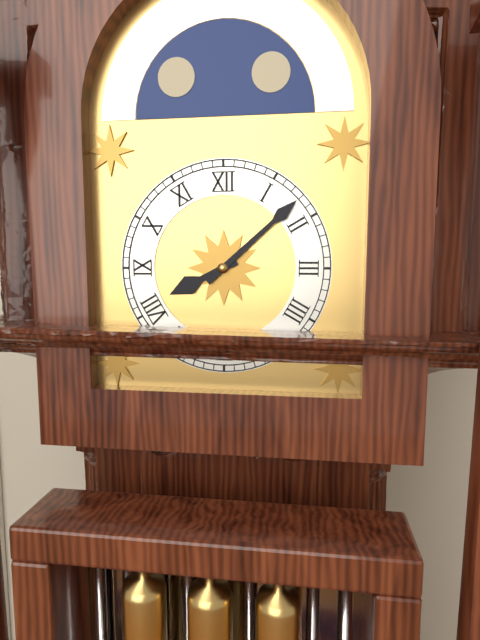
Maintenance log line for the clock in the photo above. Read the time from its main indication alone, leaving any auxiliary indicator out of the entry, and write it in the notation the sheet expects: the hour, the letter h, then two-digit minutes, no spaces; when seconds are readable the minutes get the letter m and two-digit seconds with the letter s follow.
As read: 8h08
